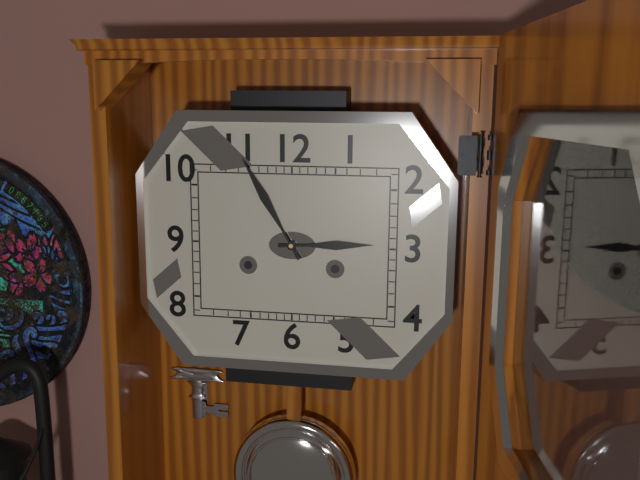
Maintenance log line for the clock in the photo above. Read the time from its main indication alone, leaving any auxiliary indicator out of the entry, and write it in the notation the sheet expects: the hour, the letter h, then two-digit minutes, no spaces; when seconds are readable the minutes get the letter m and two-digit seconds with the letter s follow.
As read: 2h55
